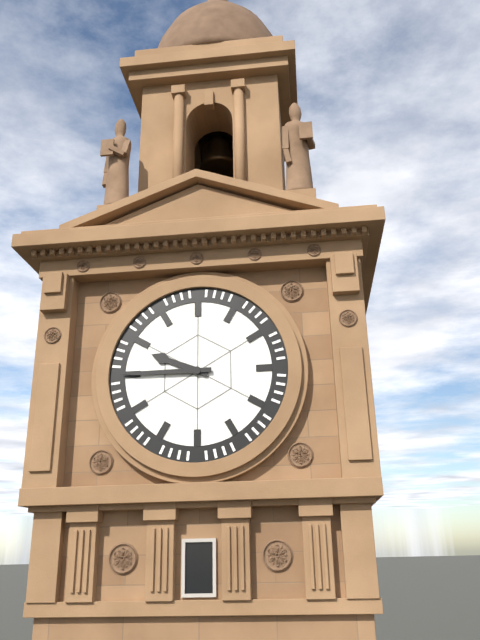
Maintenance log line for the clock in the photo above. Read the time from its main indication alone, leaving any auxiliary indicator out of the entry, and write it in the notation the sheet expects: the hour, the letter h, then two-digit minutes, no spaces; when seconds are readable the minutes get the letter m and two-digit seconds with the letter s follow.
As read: 9h45
